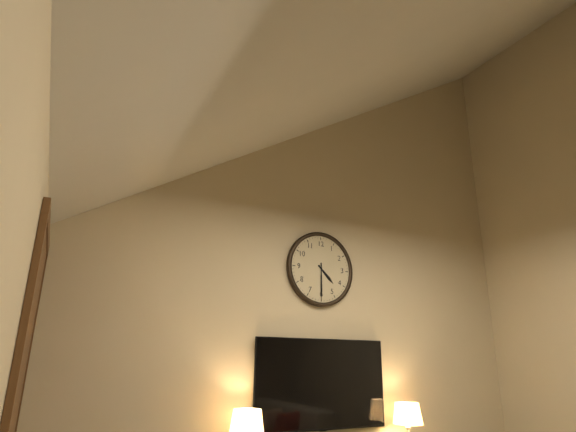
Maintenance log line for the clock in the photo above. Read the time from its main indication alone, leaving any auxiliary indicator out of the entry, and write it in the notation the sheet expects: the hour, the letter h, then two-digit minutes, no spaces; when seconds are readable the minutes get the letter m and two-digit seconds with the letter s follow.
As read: 4h30
